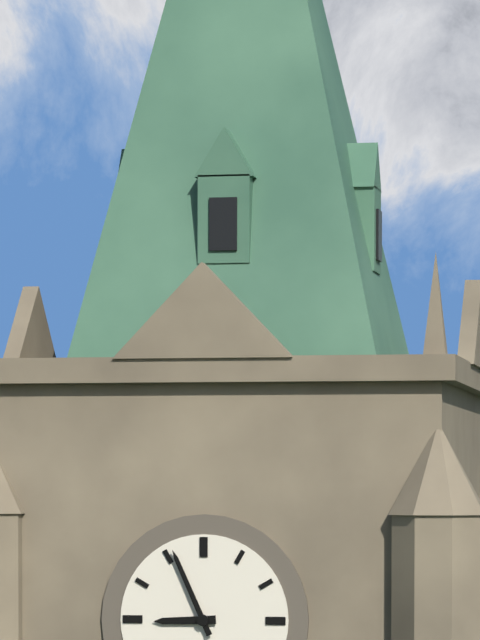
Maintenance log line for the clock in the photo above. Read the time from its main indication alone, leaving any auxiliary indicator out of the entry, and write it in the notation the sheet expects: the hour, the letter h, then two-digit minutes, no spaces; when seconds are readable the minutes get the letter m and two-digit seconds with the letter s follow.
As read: 8h56
